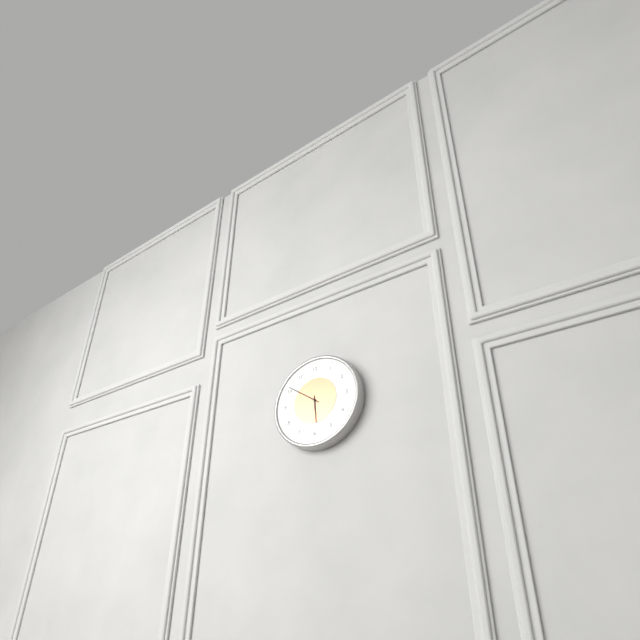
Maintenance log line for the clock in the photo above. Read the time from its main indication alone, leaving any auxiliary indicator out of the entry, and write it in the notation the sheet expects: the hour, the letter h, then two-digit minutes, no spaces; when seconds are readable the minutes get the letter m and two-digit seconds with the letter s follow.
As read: 5h51
